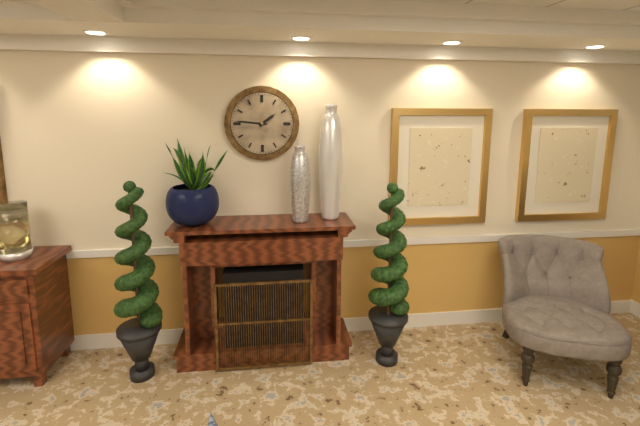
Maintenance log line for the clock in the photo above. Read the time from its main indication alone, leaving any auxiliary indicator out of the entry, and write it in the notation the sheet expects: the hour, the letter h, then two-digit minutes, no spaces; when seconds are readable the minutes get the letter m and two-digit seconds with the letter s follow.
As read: 1h46
